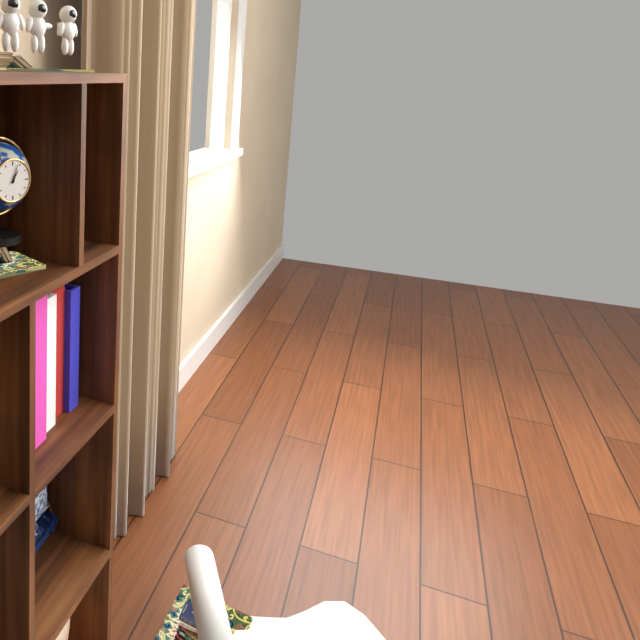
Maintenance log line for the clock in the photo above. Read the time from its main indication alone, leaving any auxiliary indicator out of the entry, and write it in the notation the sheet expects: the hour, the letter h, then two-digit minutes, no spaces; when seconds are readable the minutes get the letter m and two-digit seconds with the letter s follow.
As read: 1h03
